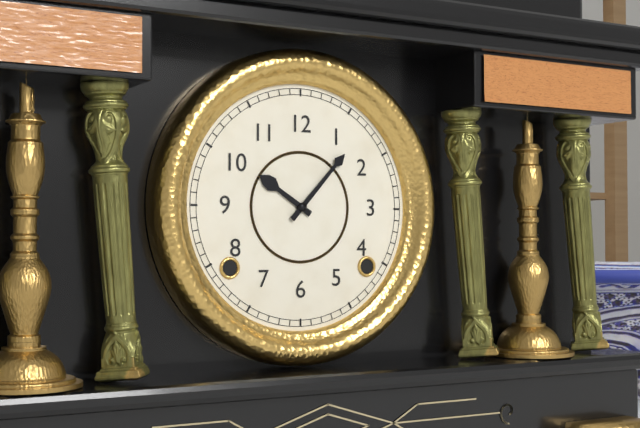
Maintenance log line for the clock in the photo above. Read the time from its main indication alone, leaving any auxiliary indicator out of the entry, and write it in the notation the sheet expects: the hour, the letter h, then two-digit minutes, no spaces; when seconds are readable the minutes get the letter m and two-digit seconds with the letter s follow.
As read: 10h07
